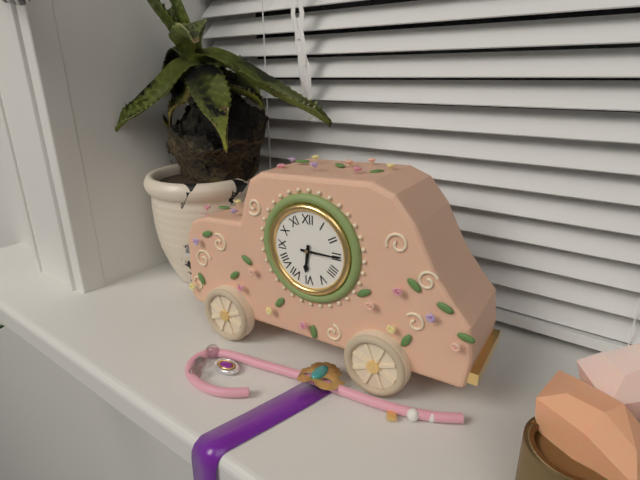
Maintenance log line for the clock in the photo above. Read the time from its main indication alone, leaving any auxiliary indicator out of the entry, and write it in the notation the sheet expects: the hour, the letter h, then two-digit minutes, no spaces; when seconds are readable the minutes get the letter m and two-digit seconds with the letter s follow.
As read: 6h15
